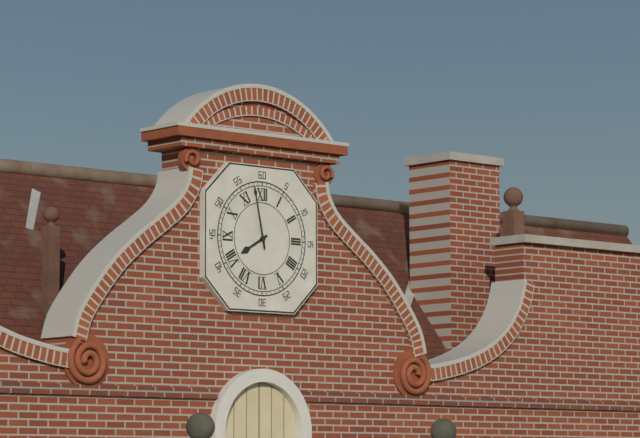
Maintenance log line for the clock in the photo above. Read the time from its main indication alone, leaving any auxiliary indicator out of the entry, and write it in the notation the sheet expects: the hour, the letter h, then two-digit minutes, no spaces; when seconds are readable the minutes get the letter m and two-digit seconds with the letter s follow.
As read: 7h58
